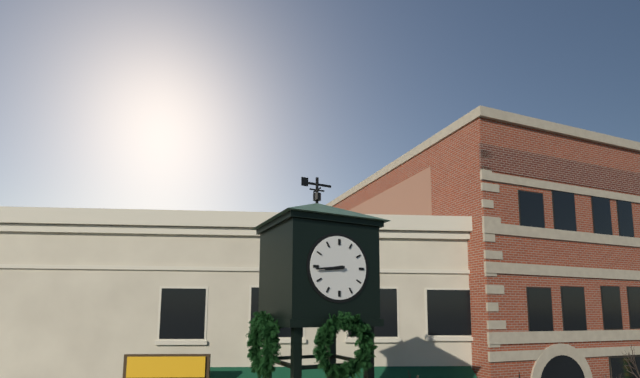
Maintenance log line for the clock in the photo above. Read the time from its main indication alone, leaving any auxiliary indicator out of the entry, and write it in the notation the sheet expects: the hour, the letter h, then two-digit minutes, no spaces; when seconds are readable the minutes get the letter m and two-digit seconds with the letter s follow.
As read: 8h44
